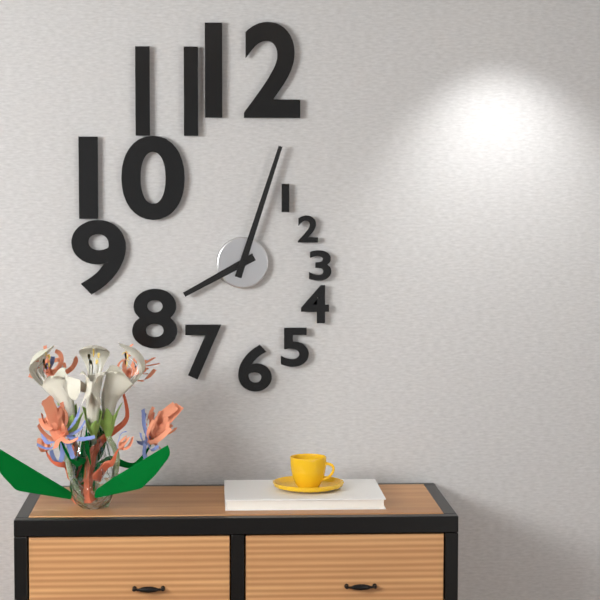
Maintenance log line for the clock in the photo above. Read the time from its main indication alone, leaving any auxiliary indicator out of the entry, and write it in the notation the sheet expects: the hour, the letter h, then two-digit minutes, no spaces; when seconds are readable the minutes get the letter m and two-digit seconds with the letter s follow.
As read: 8h03
